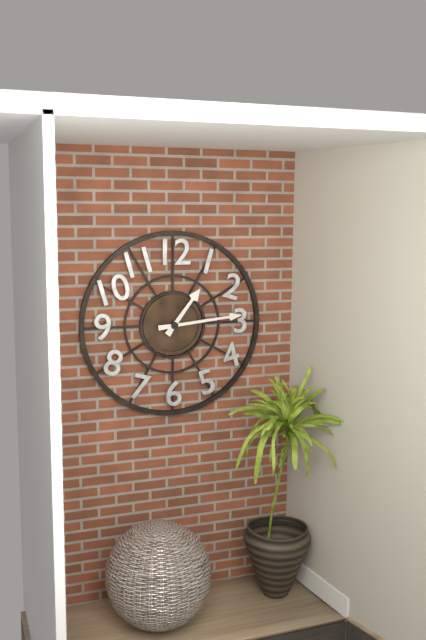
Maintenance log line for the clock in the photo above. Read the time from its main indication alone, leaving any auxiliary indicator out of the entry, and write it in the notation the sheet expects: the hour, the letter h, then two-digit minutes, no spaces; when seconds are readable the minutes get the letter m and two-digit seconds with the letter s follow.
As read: 1h14
